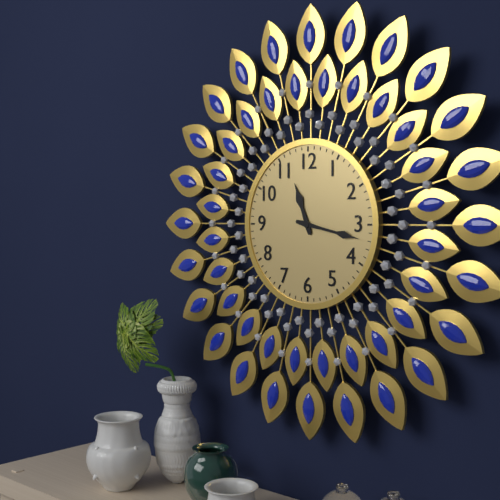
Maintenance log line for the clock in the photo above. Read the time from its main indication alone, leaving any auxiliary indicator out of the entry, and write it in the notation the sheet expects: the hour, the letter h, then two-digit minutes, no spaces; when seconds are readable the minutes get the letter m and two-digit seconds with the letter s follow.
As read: 11h17
